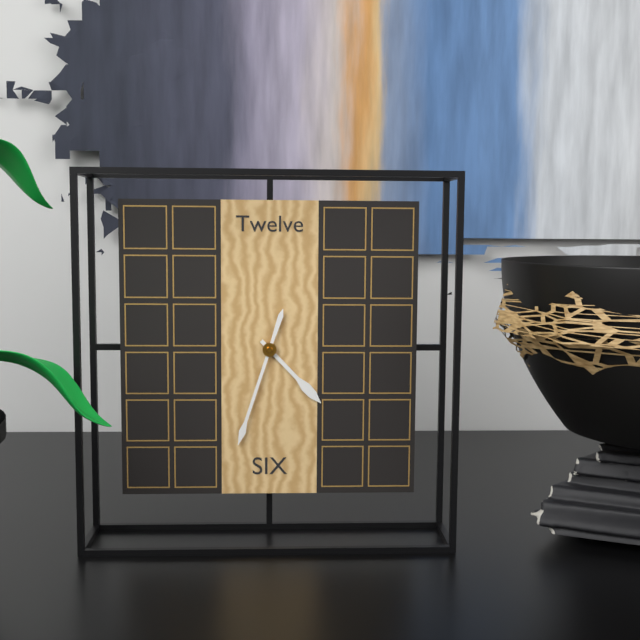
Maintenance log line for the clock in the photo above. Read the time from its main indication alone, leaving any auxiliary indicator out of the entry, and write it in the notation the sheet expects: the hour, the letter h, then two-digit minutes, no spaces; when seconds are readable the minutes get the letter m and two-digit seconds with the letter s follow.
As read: 4h33
